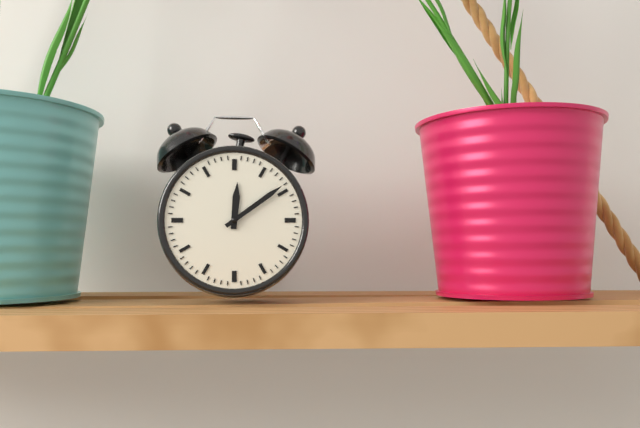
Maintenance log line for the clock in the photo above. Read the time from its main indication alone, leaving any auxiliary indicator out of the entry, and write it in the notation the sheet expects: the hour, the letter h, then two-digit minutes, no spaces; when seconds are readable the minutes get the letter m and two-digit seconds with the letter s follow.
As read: 12h09
